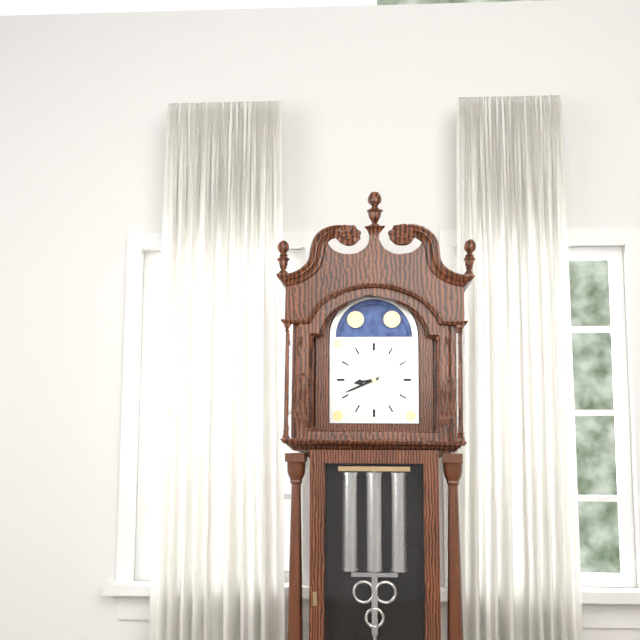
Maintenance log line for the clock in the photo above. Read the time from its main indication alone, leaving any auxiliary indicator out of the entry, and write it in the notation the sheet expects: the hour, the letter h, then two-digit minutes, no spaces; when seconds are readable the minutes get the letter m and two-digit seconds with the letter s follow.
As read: 8h41
